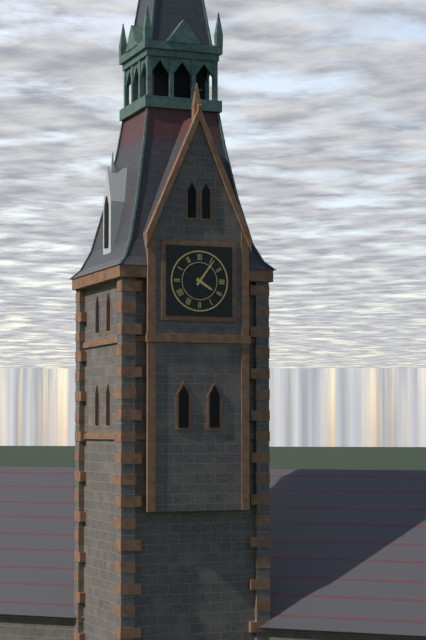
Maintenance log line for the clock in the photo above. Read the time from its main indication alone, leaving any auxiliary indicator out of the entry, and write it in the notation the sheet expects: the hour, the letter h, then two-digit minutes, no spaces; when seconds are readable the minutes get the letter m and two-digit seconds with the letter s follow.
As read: 4h06
